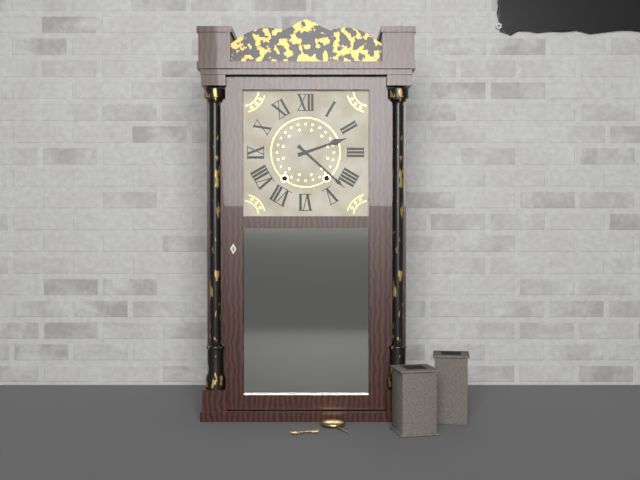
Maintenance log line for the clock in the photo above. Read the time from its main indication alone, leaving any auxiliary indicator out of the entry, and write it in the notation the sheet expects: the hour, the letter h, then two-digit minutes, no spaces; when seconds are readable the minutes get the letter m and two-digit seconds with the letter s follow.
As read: 2h22
